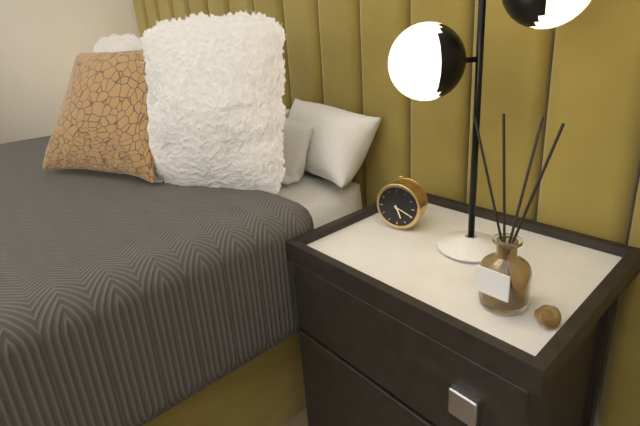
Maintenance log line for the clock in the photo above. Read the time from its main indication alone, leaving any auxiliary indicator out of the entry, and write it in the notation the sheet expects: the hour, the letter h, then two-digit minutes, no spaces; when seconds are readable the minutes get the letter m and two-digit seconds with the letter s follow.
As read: 5h19
